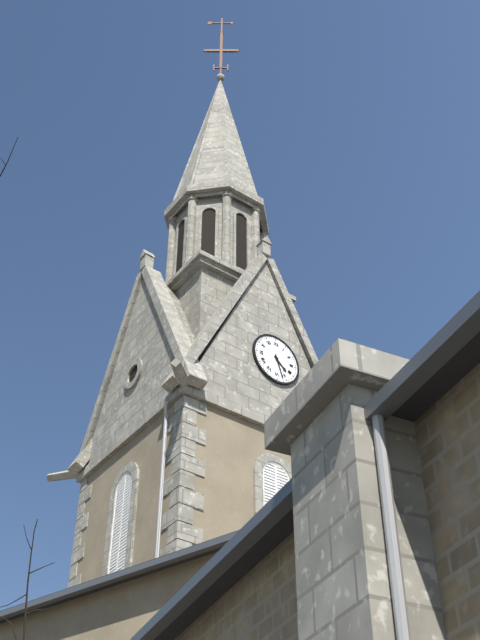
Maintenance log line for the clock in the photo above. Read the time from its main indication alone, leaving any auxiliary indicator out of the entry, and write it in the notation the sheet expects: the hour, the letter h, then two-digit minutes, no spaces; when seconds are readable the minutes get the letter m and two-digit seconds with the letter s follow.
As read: 4h27
